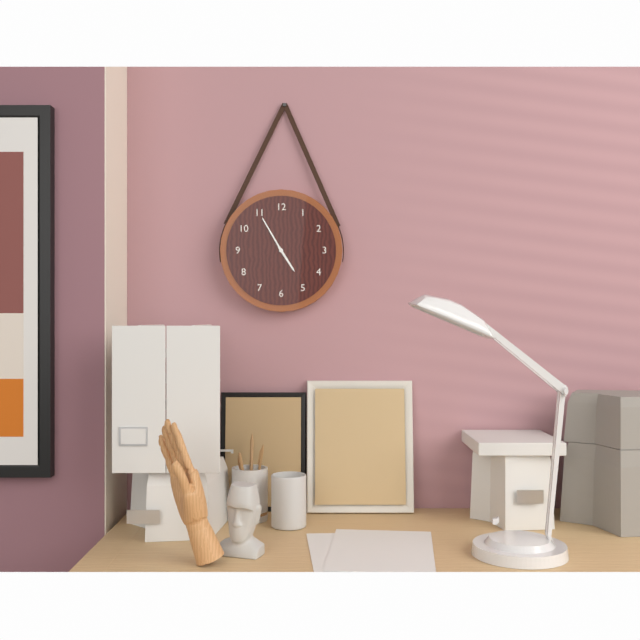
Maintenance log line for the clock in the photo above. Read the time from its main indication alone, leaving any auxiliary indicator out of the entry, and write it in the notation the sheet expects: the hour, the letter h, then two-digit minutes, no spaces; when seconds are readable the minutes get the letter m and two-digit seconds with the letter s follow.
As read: 4h55
